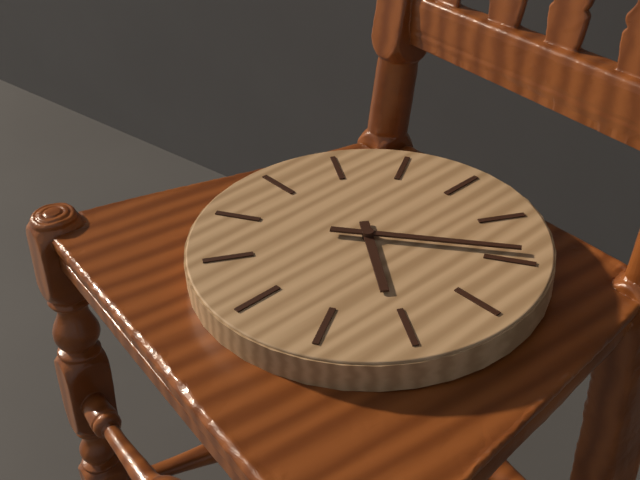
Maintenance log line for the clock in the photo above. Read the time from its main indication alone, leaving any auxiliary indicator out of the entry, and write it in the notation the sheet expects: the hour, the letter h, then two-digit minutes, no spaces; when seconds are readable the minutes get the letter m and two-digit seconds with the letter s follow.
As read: 4h09
